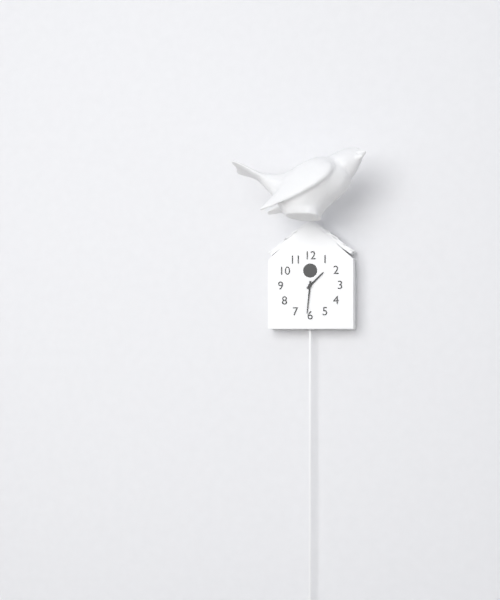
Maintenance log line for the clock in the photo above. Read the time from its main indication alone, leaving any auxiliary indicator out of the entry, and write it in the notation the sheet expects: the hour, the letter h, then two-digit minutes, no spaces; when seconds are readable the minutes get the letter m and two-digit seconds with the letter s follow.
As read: 1h31
